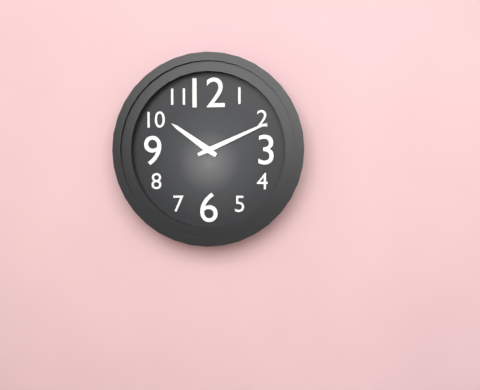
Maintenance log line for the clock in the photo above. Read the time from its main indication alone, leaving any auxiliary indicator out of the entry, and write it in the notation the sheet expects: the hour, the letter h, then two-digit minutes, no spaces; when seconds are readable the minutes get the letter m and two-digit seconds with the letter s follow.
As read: 10h11
